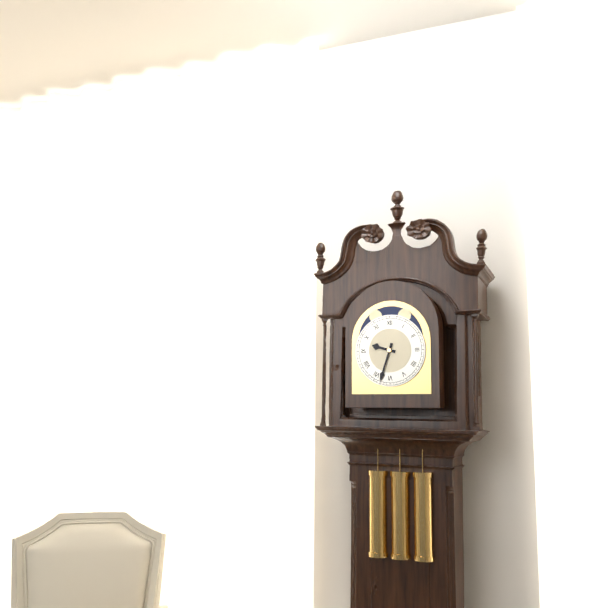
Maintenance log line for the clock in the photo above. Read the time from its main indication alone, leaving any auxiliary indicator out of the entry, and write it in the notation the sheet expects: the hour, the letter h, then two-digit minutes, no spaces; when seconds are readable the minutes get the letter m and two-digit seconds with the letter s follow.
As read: 9h33
